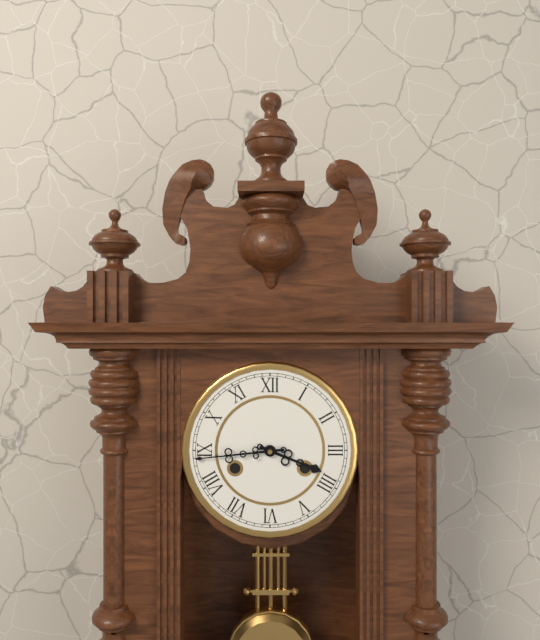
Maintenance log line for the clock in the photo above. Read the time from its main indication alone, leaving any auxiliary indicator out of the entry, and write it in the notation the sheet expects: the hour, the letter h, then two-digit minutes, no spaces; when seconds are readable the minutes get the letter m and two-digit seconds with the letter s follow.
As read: 3h44
